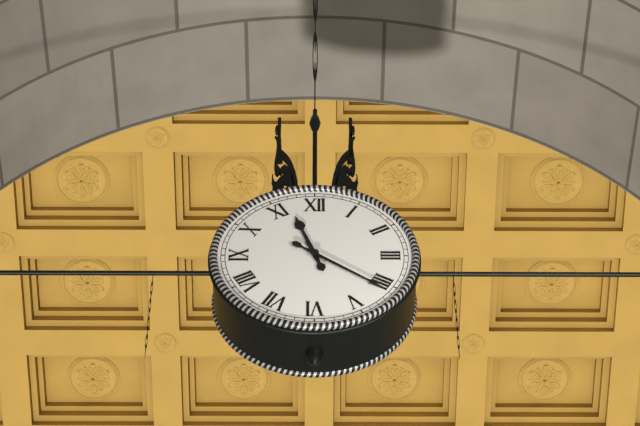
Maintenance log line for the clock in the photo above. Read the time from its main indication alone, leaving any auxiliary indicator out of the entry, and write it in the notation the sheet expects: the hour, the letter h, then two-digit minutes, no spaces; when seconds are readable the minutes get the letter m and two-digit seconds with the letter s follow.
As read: 11h21
